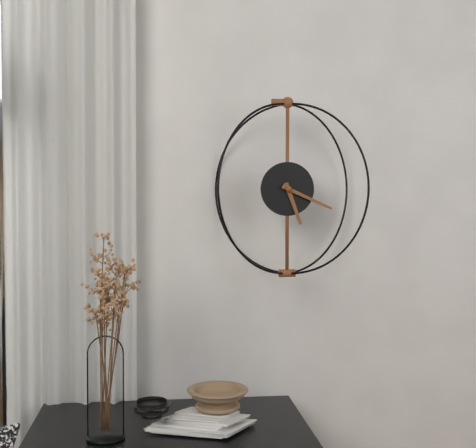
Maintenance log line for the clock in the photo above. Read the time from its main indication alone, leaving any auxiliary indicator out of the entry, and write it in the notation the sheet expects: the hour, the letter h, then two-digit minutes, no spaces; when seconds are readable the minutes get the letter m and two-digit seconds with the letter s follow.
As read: 5h19
